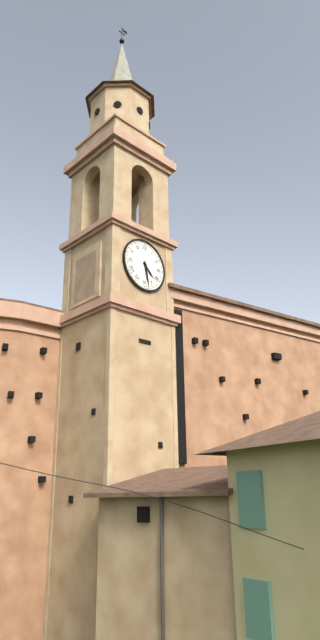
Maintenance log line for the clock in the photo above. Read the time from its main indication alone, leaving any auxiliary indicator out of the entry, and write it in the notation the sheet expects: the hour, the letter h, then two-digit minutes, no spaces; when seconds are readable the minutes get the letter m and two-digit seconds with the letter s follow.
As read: 4h28
